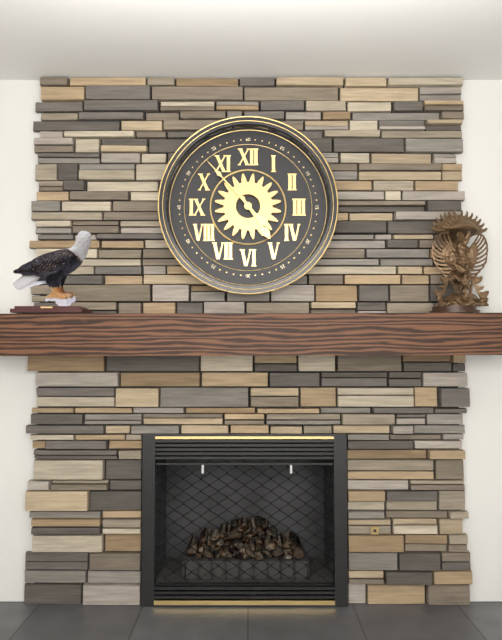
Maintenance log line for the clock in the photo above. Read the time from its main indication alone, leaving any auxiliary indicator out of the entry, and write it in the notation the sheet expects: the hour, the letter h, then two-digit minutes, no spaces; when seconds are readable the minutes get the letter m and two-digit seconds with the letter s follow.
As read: 4h53
